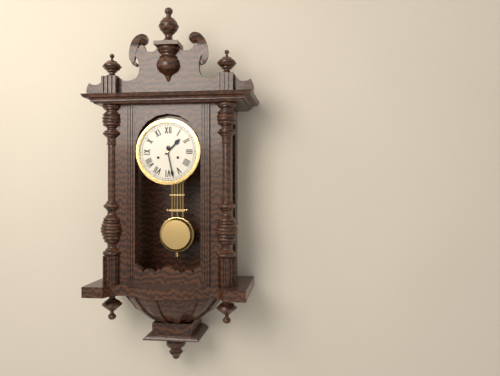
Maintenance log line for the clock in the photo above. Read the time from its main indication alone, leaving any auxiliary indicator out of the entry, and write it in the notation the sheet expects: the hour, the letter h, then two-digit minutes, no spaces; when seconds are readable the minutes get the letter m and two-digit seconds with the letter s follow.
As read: 1h28
